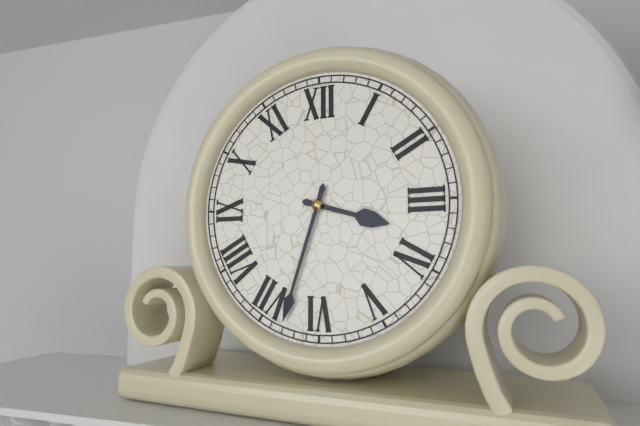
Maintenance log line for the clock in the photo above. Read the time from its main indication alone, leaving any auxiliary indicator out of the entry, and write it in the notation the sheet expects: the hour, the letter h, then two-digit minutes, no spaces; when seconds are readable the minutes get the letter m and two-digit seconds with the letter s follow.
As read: 3h33
